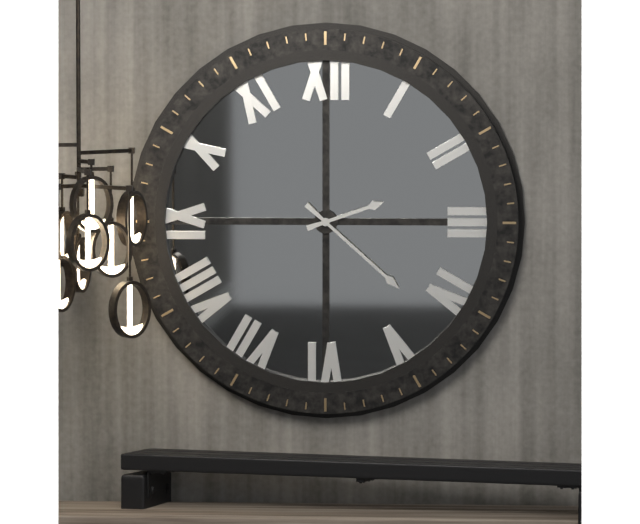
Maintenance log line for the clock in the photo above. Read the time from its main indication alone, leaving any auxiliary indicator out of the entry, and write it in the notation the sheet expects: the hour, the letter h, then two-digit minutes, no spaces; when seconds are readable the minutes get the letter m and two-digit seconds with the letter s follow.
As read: 2h22
